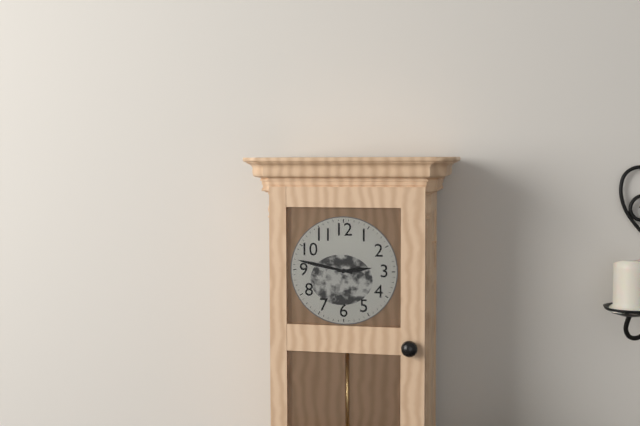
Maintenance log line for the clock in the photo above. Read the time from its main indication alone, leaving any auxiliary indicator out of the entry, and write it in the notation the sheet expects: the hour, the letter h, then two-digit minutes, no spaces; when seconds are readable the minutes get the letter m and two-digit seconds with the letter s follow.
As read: 2h47
